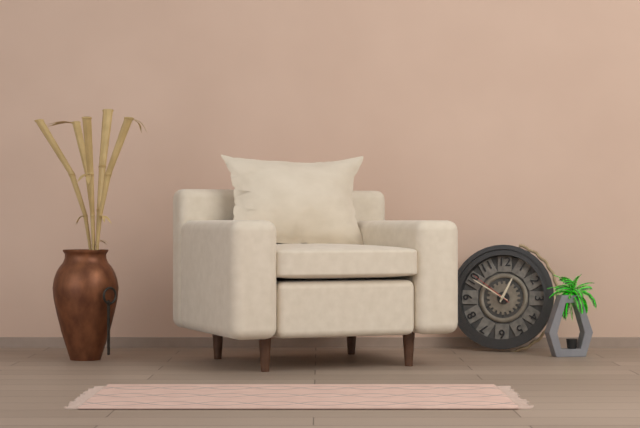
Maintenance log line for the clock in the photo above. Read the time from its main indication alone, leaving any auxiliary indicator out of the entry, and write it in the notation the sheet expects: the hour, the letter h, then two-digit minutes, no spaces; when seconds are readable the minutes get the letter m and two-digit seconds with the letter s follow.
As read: 12h50
